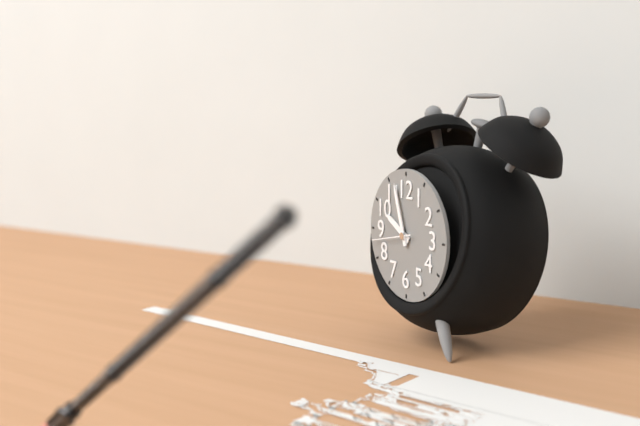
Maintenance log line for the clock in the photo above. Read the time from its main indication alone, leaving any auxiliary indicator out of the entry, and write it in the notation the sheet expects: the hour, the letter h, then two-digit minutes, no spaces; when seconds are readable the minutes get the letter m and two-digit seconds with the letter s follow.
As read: 9h57
